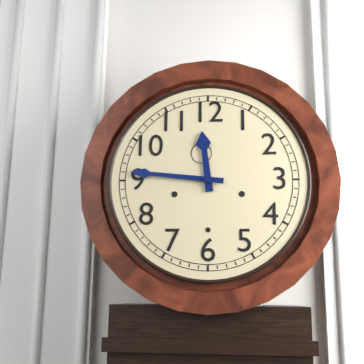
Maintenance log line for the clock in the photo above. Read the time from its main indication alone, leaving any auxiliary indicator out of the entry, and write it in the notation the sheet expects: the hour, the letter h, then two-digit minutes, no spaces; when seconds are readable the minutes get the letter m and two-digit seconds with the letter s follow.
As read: 11h46
